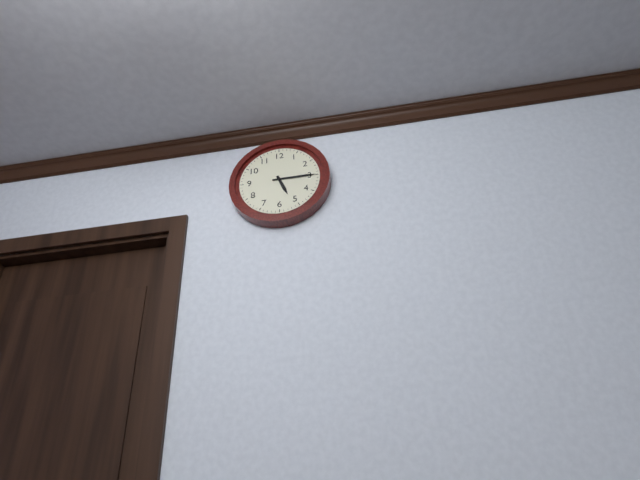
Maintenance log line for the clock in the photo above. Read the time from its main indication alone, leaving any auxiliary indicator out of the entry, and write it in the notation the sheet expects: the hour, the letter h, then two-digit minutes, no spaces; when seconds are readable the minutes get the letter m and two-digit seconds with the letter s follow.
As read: 5h15
